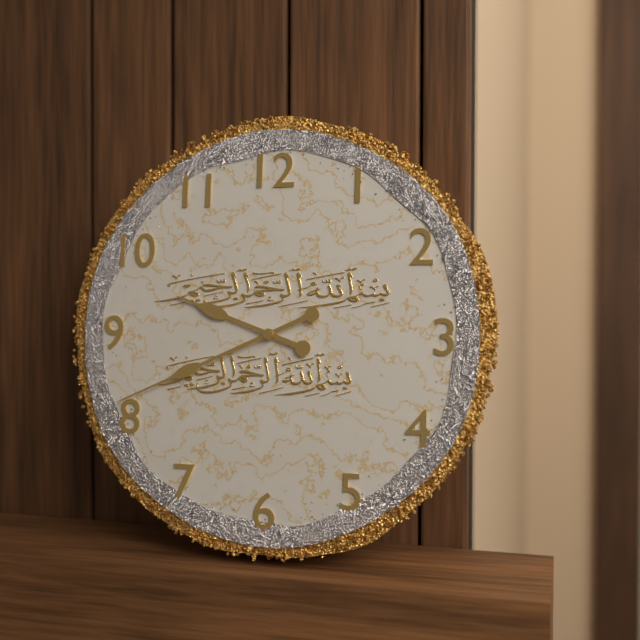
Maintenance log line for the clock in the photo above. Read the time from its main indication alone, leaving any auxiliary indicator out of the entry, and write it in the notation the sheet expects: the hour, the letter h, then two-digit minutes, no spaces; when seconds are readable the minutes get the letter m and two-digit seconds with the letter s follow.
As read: 9h41
